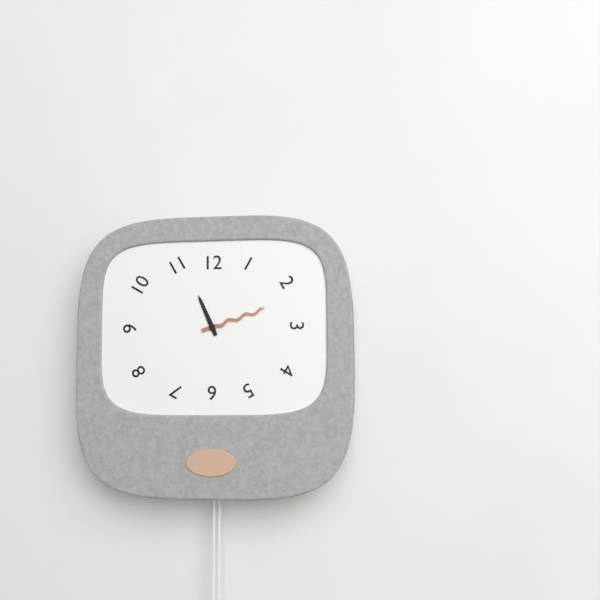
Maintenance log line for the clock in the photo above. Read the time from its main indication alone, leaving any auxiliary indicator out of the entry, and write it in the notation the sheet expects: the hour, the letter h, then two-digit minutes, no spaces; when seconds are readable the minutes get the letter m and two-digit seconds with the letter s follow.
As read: 11h12
